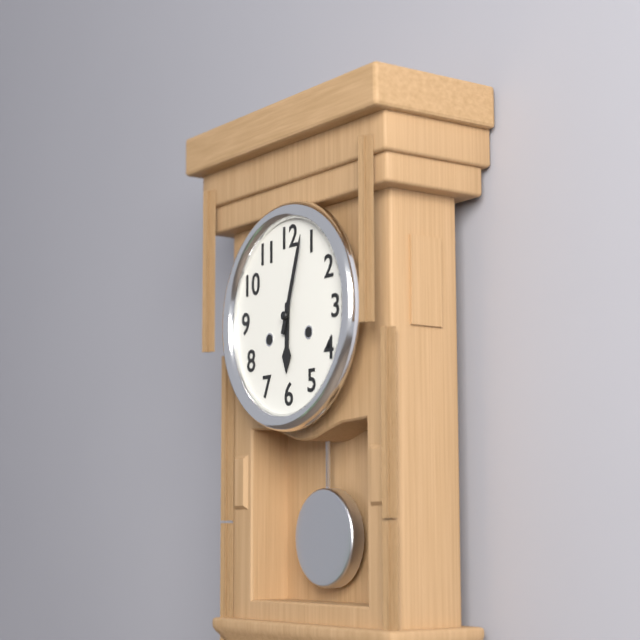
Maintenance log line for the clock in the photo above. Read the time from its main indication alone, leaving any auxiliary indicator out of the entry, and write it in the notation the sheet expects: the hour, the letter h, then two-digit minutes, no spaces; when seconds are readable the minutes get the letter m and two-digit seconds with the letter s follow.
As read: 6h03
